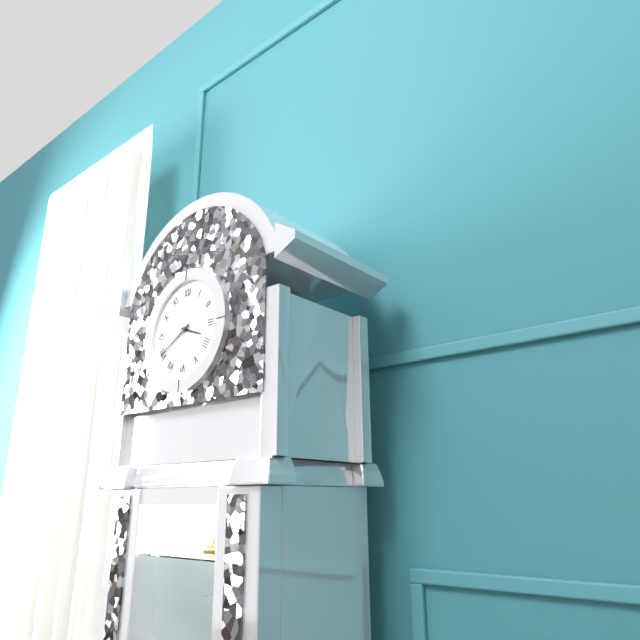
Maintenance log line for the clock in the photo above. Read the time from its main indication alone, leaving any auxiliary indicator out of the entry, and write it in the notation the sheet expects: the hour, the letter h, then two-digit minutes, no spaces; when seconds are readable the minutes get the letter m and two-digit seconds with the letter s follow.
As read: 3h40
